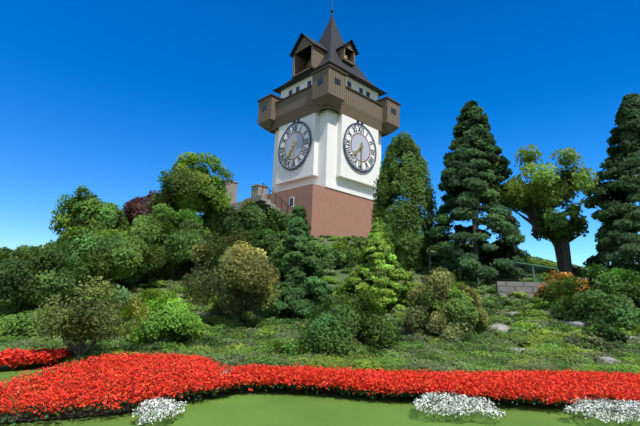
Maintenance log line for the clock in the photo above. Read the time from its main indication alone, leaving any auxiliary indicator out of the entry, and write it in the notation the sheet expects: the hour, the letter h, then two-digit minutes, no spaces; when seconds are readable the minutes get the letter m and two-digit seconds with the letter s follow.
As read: 7h30
